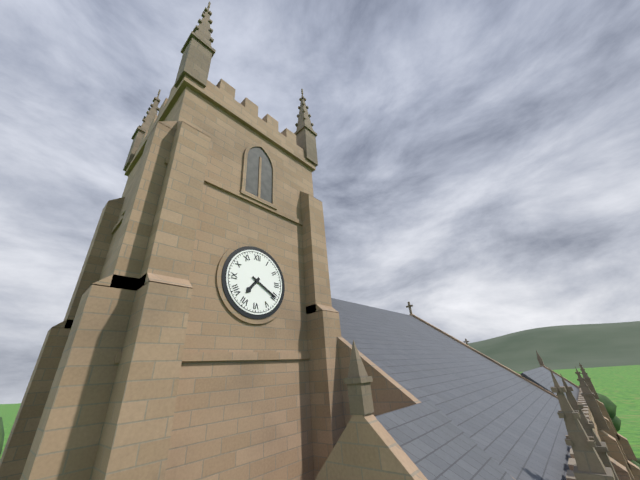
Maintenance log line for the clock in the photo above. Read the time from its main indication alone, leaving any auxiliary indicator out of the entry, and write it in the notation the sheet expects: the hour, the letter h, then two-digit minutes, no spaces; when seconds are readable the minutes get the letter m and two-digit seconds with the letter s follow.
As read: 7h20
